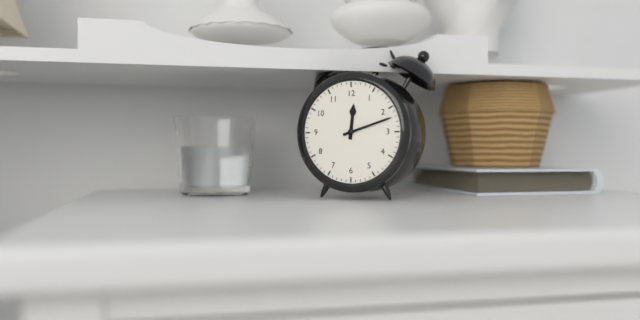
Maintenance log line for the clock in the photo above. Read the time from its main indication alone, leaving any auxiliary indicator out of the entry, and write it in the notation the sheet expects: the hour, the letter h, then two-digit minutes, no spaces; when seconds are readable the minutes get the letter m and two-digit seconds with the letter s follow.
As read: 12h12
